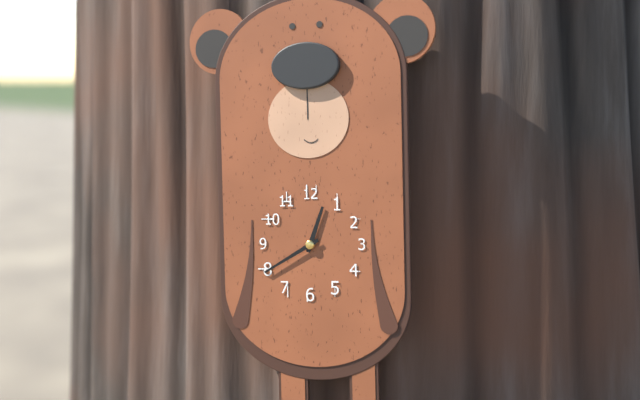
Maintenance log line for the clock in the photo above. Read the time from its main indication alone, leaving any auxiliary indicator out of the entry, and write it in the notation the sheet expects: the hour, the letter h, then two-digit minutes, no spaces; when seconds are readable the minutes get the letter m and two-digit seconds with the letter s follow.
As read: 12h40
